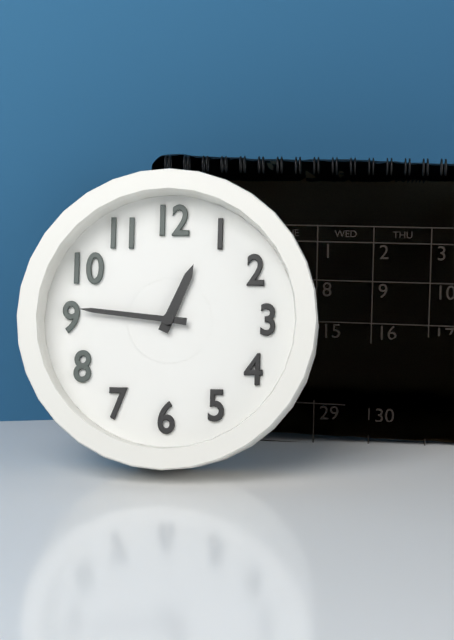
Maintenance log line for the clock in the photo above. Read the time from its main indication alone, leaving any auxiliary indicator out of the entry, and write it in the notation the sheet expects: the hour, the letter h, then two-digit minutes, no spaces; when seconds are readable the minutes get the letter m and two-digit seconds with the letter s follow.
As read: 12h46
